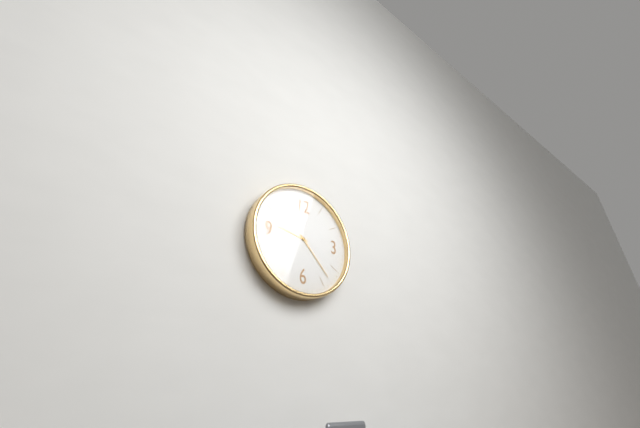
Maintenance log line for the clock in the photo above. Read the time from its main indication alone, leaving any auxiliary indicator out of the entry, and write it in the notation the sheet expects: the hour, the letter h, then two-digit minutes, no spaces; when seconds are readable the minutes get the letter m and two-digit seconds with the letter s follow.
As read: 9h23
